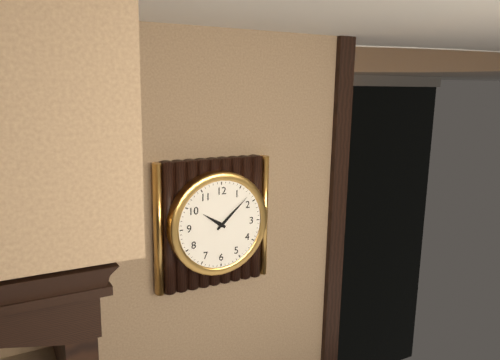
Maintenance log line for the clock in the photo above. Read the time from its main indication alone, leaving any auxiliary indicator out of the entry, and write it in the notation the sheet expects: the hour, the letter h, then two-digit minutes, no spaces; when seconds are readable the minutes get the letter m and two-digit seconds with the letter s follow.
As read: 10h08
